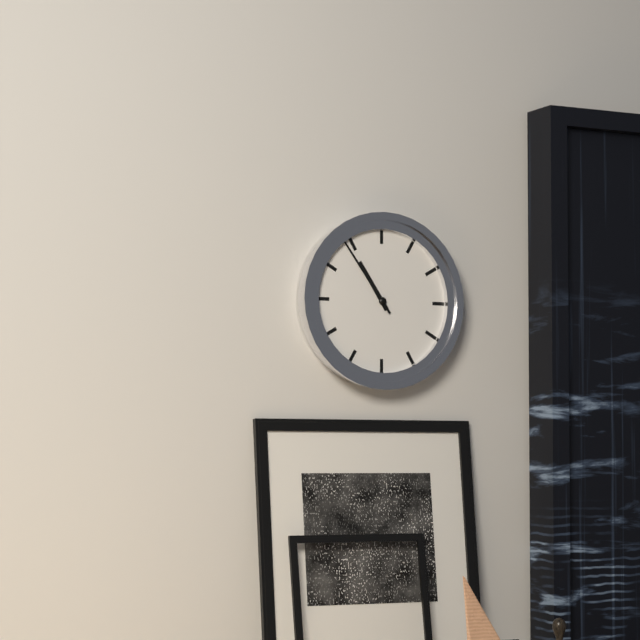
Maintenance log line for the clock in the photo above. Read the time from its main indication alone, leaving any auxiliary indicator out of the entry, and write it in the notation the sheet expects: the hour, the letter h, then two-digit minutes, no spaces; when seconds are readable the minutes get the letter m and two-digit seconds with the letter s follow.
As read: 10h54
